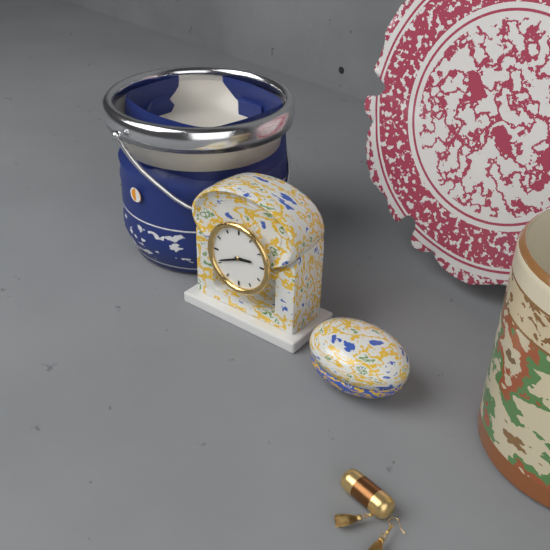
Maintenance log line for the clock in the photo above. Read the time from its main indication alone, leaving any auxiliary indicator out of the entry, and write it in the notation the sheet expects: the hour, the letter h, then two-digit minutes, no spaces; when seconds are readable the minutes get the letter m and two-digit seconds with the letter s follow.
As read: 2h41
